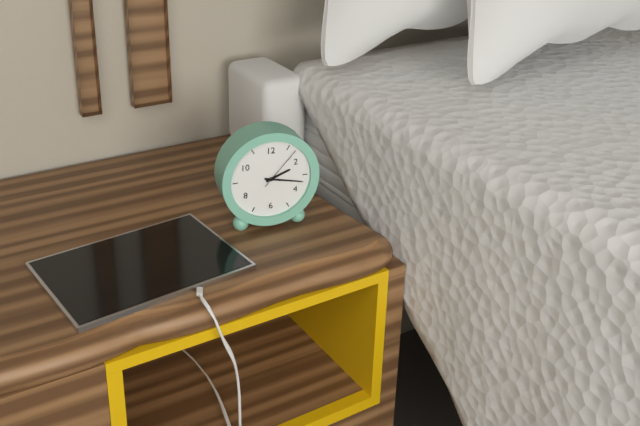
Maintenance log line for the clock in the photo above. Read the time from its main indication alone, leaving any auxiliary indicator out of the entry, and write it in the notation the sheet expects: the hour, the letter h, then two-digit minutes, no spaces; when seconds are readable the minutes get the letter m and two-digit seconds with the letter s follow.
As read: 2h17
